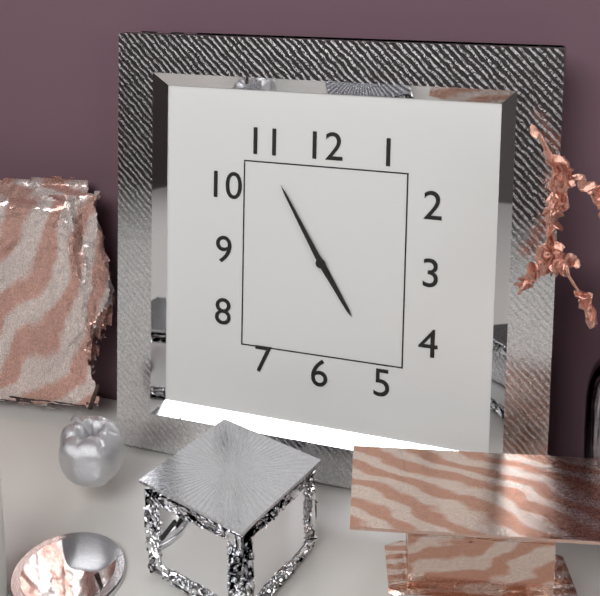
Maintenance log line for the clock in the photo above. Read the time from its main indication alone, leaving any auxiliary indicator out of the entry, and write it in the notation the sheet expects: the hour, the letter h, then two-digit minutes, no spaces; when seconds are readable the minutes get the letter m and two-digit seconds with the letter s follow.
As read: 4h55
